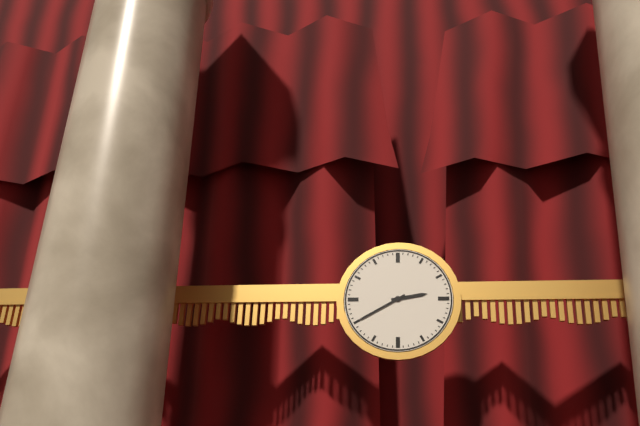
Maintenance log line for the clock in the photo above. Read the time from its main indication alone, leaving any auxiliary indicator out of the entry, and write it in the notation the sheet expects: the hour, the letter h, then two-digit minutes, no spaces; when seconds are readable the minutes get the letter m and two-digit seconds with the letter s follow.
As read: 2h40
